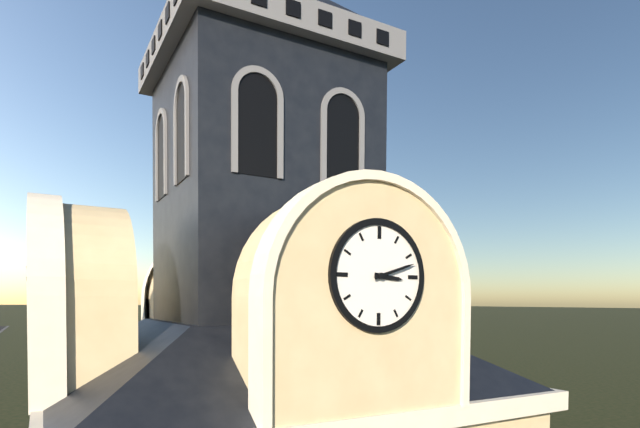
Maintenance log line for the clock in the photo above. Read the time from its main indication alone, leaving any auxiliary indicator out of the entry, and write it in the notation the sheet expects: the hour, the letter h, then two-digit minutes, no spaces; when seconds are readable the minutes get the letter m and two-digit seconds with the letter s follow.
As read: 3h12
